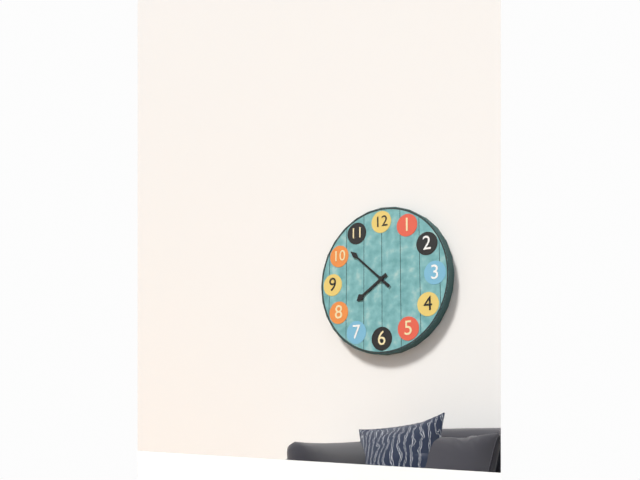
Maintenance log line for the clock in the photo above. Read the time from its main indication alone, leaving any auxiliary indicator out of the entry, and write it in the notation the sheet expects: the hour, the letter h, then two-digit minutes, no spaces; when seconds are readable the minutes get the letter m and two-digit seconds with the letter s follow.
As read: 7h52
